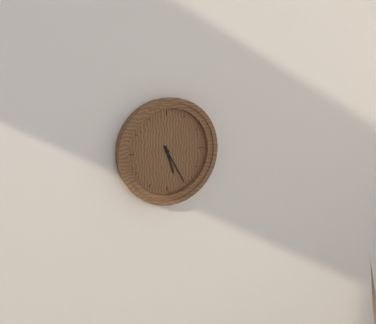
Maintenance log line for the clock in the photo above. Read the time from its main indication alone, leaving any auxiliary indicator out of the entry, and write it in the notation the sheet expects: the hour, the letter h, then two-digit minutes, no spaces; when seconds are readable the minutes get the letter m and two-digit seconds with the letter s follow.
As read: 5h25
